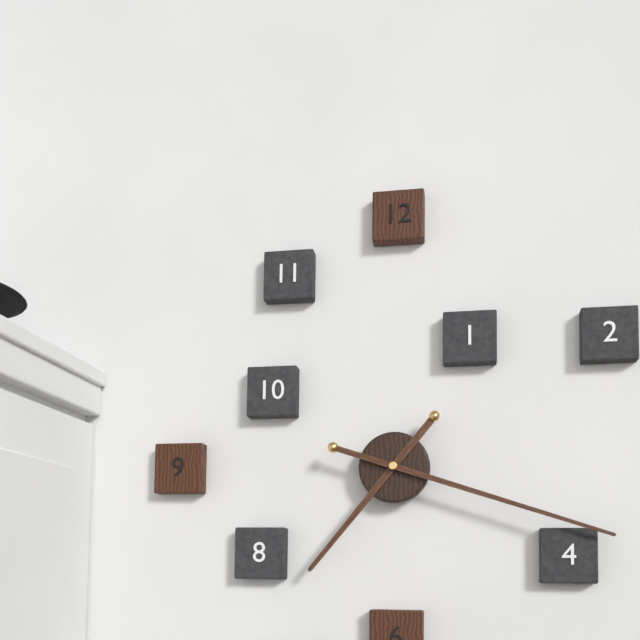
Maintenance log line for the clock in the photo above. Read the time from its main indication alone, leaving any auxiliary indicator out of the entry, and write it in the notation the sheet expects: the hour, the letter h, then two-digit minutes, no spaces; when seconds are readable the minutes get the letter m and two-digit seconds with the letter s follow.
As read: 7h18
